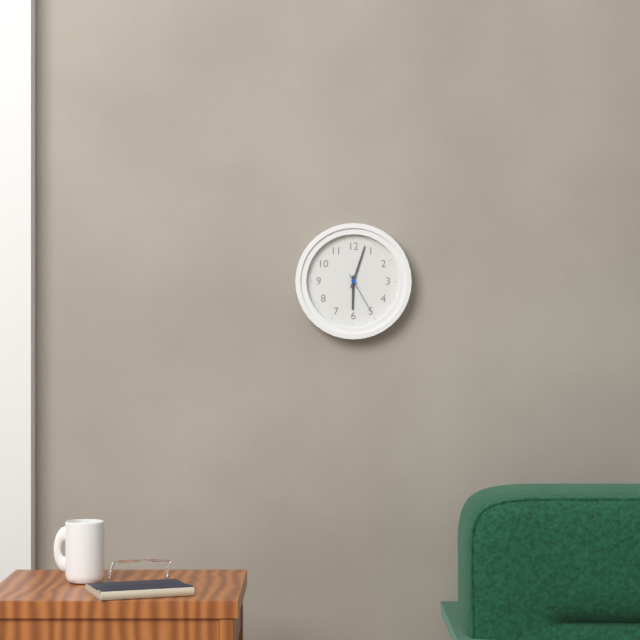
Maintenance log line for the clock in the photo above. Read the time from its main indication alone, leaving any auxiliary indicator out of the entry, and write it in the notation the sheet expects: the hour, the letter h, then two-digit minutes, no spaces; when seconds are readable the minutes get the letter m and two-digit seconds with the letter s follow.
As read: 6h03
